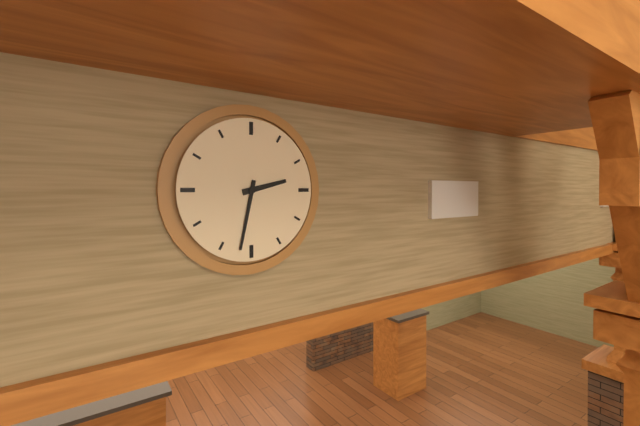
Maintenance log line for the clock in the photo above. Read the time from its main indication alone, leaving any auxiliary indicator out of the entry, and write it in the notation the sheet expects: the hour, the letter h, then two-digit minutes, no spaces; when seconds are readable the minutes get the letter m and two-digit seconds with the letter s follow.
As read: 2h32
